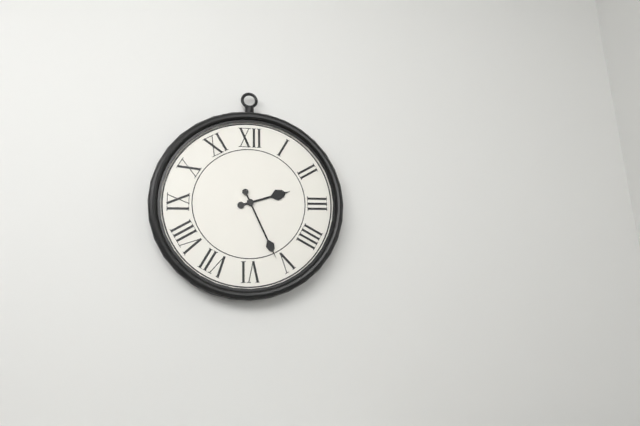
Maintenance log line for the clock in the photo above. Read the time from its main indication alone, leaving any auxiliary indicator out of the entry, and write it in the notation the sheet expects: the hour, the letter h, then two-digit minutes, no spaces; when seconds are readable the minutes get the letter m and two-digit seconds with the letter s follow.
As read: 2h26
